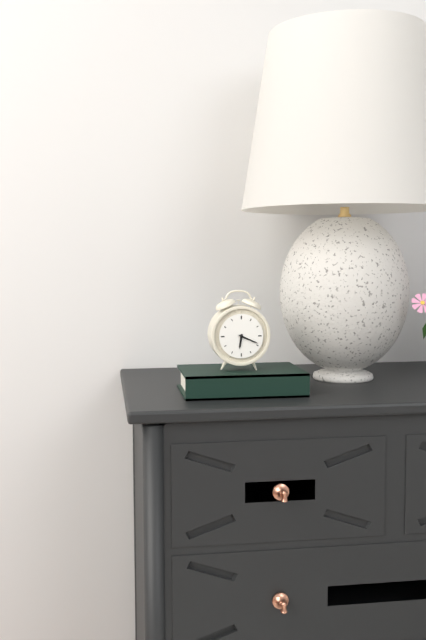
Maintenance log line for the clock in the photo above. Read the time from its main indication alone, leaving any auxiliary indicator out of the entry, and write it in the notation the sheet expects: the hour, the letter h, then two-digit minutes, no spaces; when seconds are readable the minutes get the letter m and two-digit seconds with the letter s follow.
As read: 6h19
